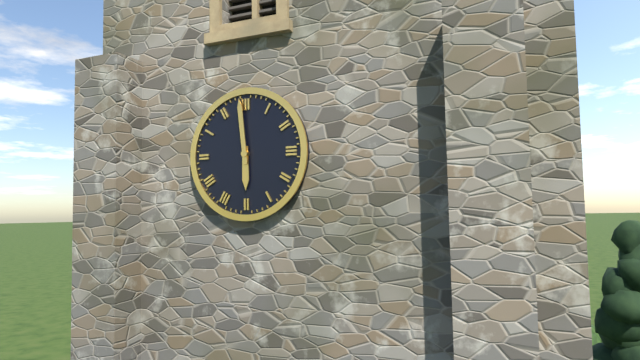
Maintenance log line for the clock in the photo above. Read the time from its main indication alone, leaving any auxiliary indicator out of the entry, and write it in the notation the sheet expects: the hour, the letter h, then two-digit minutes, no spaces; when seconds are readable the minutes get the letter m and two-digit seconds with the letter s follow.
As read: 5h59
